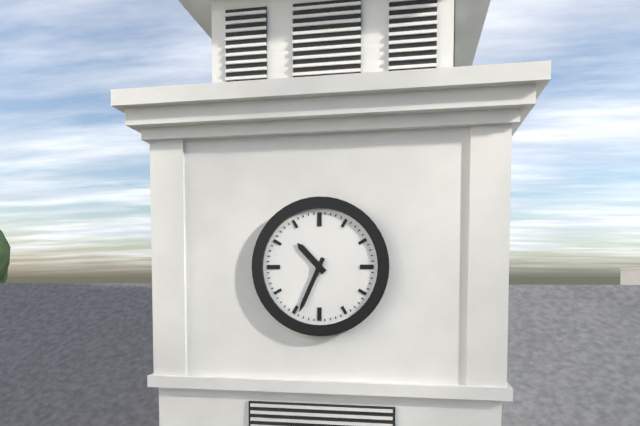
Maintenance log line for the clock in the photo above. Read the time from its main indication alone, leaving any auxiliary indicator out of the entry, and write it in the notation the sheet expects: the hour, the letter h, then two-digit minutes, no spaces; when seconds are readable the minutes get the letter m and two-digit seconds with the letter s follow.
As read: 10h34
